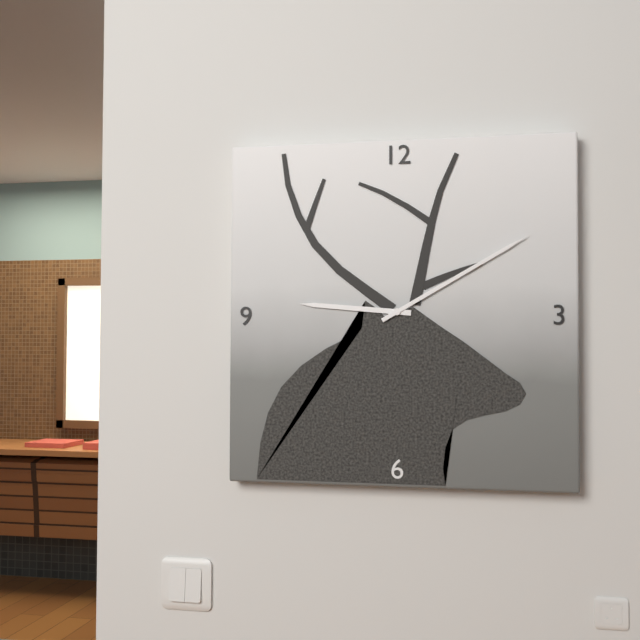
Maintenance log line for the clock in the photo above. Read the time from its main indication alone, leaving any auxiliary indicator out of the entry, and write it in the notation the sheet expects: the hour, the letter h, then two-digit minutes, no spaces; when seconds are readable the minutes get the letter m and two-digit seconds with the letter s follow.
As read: 9h10
